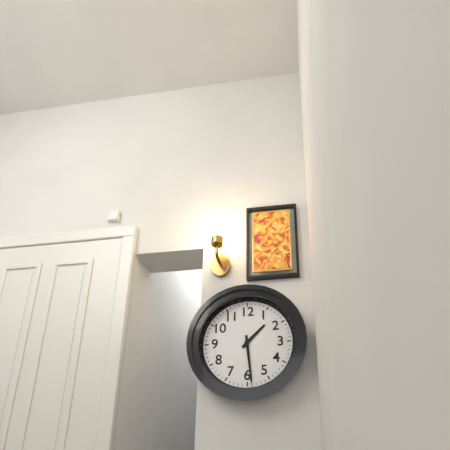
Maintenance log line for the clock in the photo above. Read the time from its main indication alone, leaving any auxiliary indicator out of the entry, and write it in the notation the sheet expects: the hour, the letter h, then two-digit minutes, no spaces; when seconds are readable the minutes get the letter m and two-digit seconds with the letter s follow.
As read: 1h29
